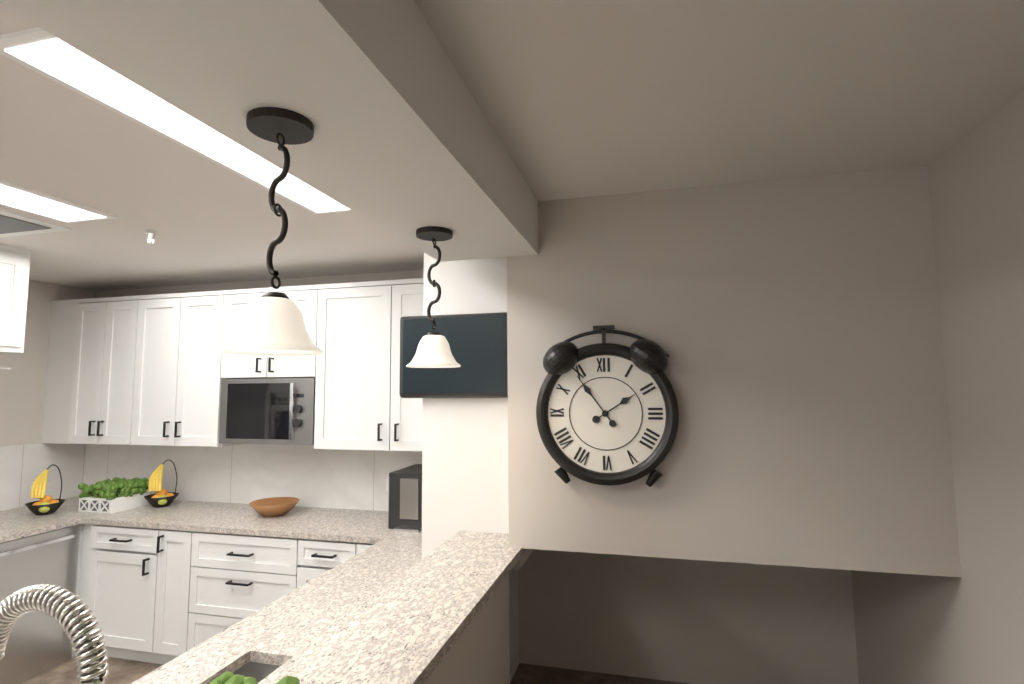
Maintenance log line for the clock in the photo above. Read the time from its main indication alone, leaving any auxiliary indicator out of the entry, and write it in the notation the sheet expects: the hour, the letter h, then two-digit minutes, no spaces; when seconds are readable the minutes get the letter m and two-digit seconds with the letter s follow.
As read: 1h54
